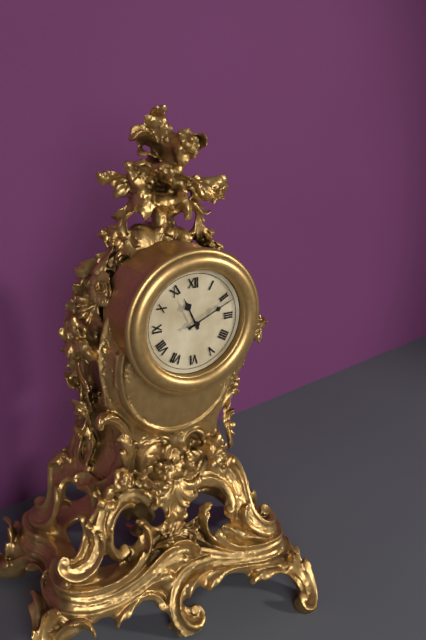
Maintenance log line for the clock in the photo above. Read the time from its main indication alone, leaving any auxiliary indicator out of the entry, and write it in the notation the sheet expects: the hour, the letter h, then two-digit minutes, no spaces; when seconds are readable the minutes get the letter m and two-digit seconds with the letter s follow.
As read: 11h11
